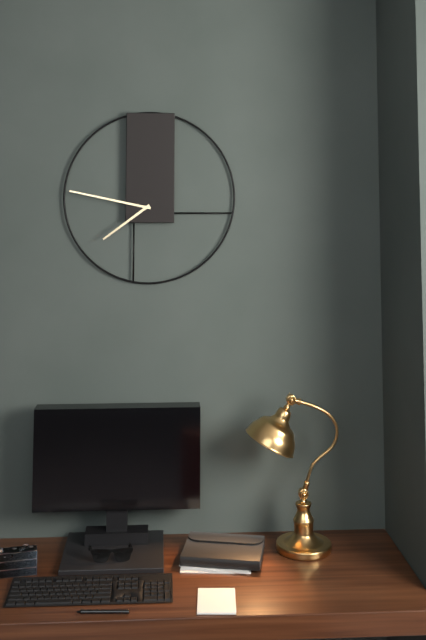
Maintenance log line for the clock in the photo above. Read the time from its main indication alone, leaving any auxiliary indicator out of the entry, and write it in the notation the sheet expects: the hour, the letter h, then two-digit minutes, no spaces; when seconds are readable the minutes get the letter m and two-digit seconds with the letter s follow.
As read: 7h47
